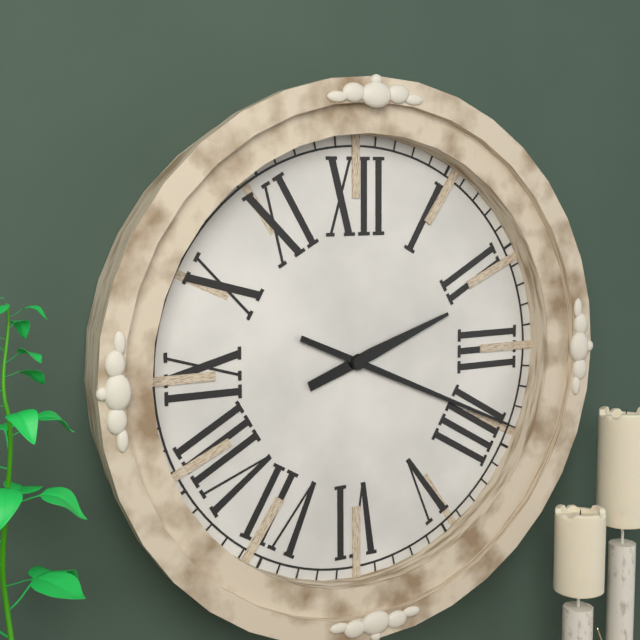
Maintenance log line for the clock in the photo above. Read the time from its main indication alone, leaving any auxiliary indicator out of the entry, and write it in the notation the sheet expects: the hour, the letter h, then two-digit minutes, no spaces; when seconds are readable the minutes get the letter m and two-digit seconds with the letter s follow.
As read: 2h19
